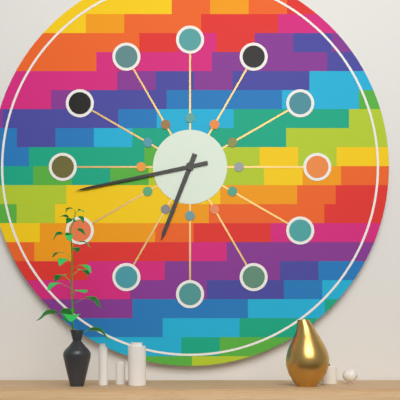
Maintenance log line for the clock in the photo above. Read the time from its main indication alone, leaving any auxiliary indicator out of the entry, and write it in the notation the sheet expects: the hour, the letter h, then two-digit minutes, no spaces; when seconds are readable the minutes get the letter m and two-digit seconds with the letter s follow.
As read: 6h43
